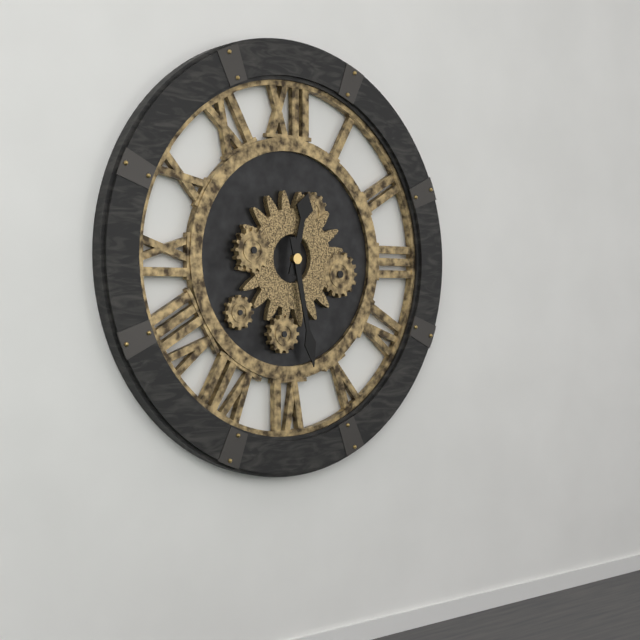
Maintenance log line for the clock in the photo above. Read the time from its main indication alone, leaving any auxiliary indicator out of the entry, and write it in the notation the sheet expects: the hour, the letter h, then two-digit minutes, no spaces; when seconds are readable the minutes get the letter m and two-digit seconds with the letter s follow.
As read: 12h28
